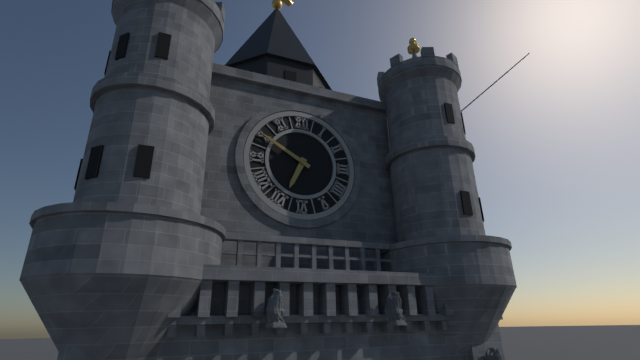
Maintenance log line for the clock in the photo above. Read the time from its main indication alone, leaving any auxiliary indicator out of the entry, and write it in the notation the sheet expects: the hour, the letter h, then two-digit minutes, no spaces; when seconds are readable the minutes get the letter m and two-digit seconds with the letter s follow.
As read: 6h50
